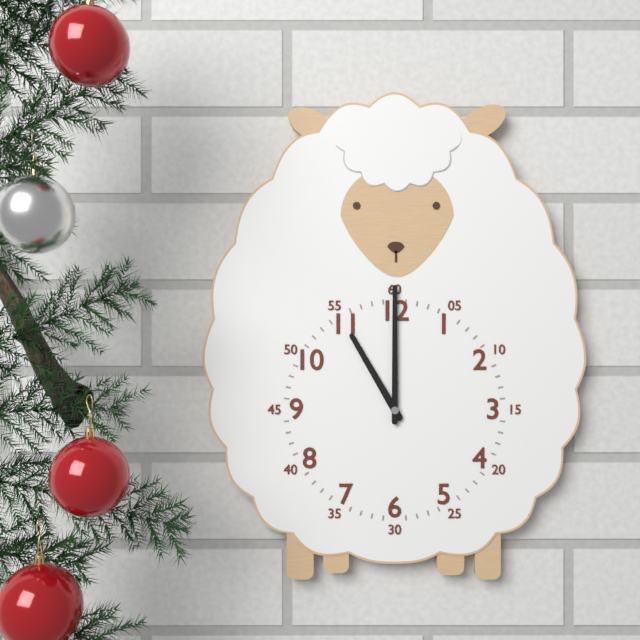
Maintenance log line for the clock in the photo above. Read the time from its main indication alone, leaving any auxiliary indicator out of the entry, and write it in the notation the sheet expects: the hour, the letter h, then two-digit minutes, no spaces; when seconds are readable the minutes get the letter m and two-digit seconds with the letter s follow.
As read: 11h00
